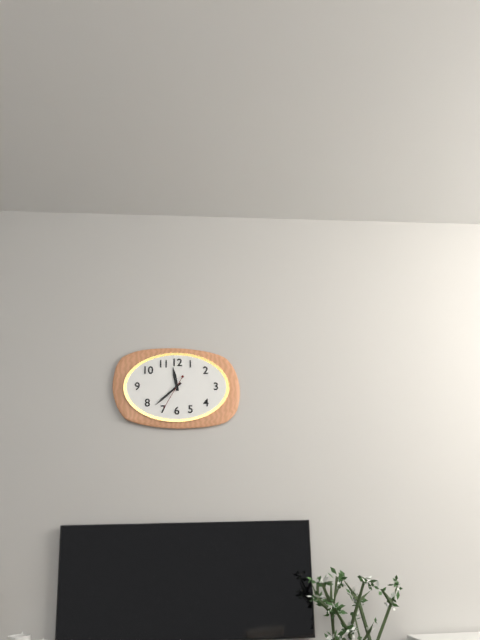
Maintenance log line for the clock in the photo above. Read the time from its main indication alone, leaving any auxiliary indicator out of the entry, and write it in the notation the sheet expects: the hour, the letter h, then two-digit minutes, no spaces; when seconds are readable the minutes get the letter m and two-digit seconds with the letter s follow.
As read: 11h38
